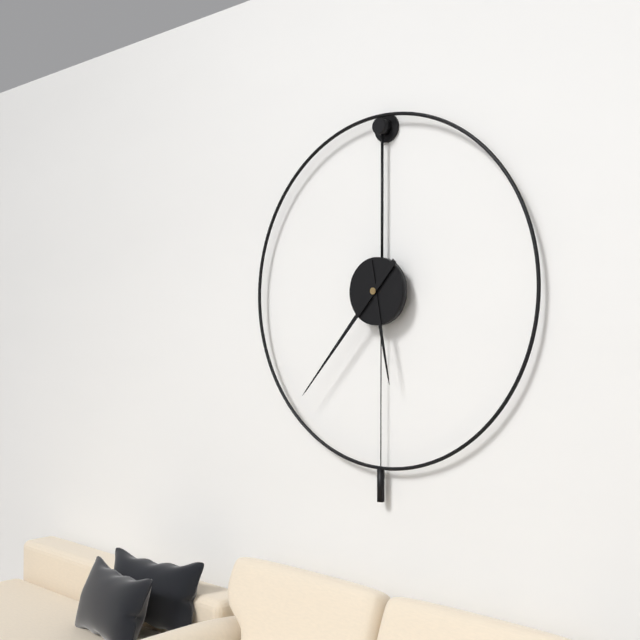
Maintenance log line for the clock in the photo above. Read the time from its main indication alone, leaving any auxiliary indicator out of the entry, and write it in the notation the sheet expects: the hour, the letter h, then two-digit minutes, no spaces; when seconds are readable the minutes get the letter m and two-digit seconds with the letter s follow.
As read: 5h37
